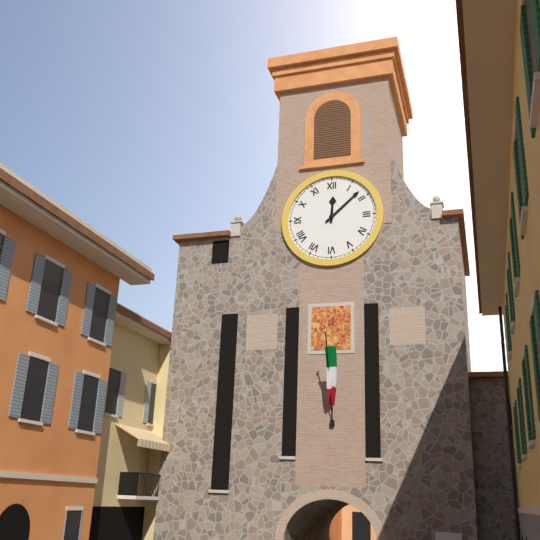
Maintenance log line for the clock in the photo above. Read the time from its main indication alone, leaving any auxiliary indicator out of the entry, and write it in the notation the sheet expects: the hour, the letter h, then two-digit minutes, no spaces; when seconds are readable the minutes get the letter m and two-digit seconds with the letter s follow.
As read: 12h08
